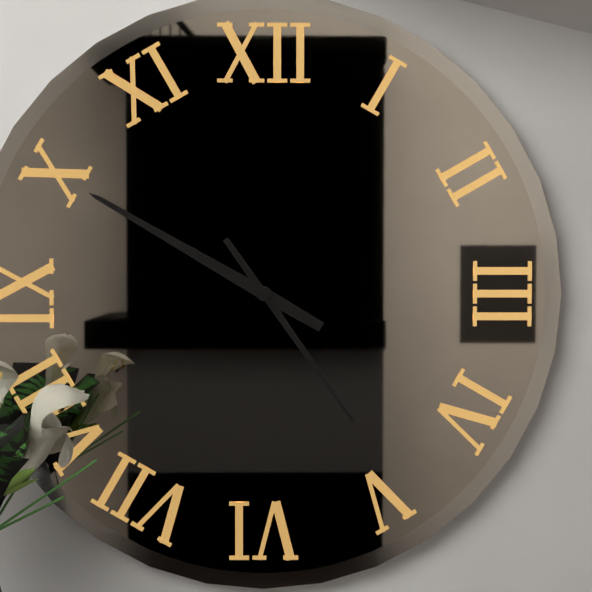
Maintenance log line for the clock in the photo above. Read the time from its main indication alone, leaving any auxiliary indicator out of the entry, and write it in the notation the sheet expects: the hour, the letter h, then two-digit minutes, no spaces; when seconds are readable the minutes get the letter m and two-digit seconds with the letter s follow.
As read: 4h50
